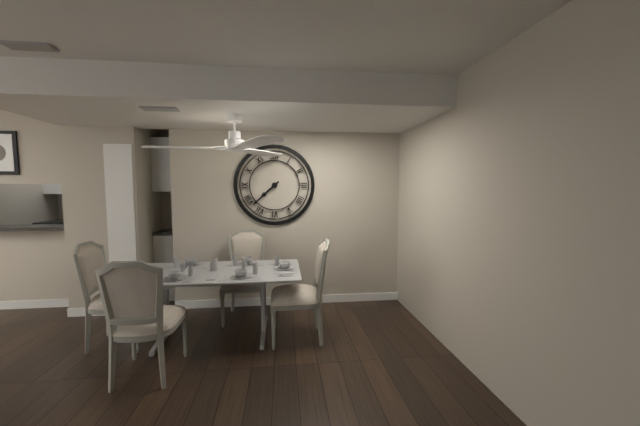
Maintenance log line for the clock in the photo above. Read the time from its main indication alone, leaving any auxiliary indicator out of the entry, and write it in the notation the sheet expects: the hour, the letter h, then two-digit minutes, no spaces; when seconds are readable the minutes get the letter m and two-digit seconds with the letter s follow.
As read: 7h38
